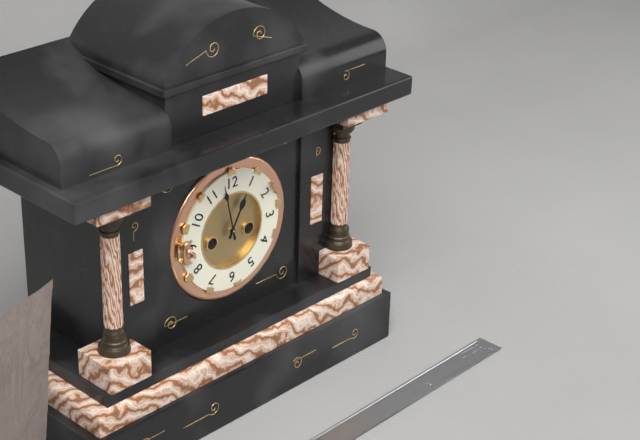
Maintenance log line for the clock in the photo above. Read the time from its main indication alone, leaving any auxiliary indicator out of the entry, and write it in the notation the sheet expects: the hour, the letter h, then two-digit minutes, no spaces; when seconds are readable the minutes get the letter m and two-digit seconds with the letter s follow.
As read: 12h58
